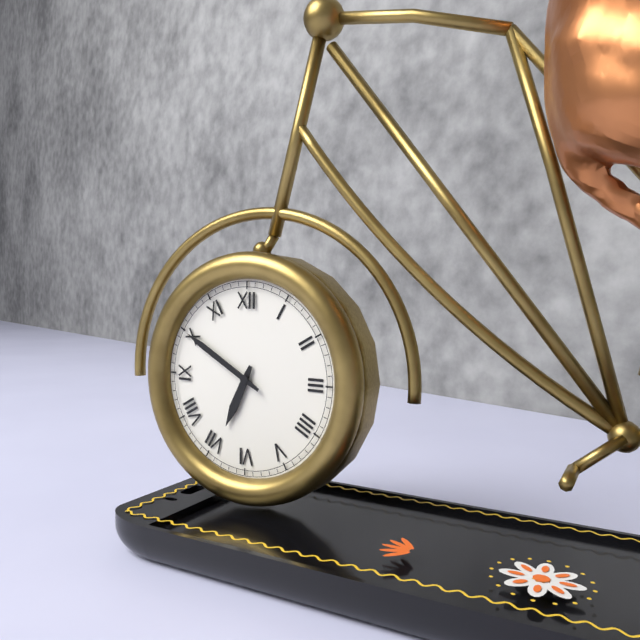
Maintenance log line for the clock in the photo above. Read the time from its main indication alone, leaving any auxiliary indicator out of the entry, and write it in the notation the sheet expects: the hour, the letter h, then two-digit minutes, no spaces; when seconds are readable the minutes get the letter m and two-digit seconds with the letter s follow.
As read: 6h50
